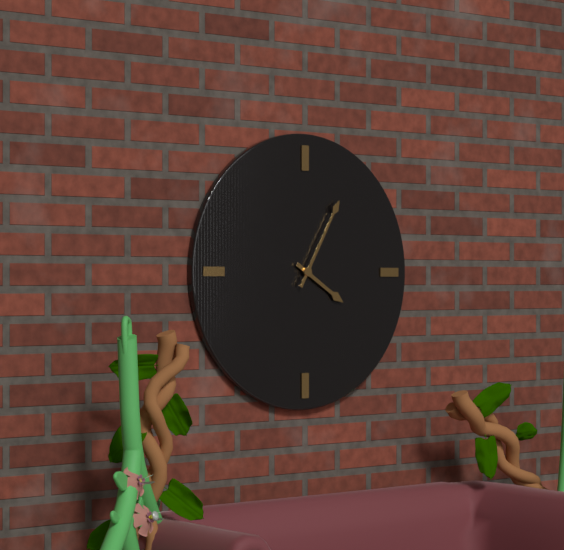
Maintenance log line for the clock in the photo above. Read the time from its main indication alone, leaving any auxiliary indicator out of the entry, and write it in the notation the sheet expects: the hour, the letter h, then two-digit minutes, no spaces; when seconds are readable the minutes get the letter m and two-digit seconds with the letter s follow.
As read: 4h05
